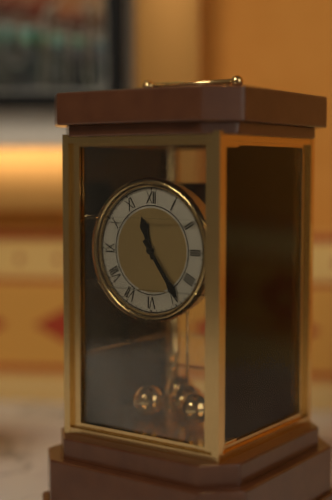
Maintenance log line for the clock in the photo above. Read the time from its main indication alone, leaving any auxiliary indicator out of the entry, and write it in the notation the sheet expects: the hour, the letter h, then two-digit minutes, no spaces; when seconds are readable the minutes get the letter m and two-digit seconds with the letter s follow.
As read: 11h24
